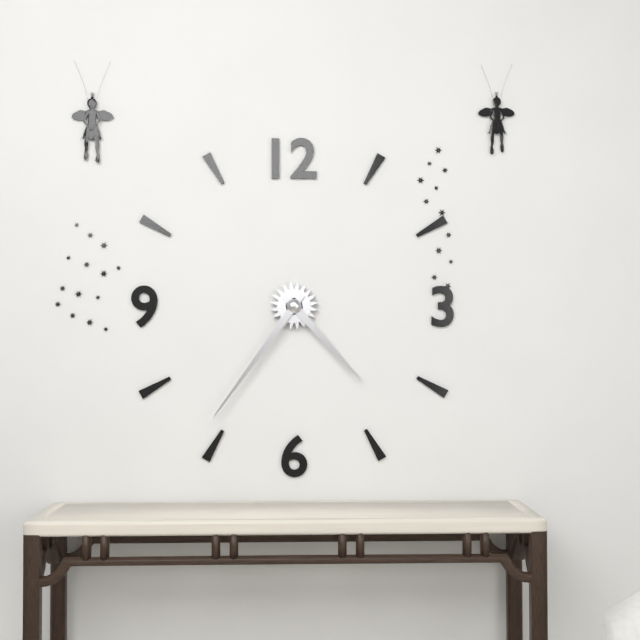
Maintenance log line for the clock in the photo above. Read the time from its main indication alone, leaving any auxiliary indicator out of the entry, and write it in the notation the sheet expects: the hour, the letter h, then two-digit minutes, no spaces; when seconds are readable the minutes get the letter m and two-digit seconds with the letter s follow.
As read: 4h36
